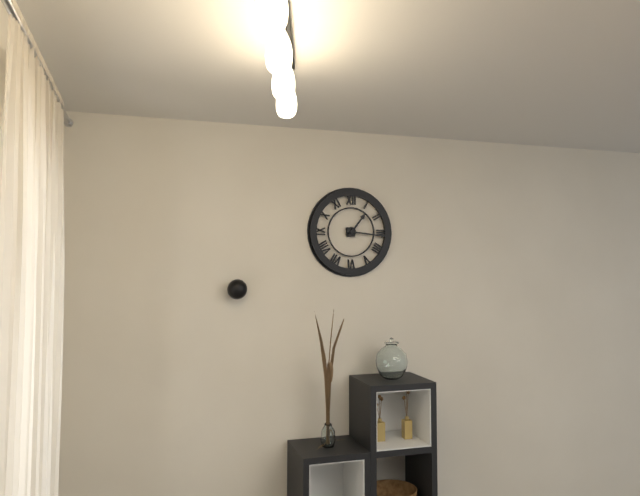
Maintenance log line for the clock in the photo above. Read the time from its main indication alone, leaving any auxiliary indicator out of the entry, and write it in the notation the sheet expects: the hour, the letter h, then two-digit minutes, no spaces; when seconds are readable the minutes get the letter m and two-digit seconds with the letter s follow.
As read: 1h16
